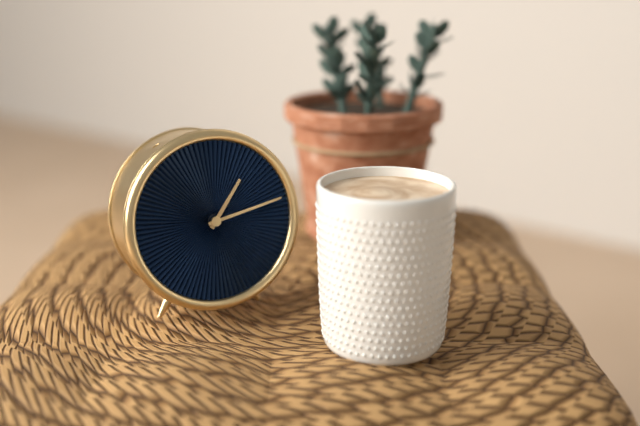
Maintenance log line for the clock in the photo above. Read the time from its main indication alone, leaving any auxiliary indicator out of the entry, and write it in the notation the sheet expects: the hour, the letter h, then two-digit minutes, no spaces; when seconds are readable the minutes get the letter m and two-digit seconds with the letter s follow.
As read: 1h13
